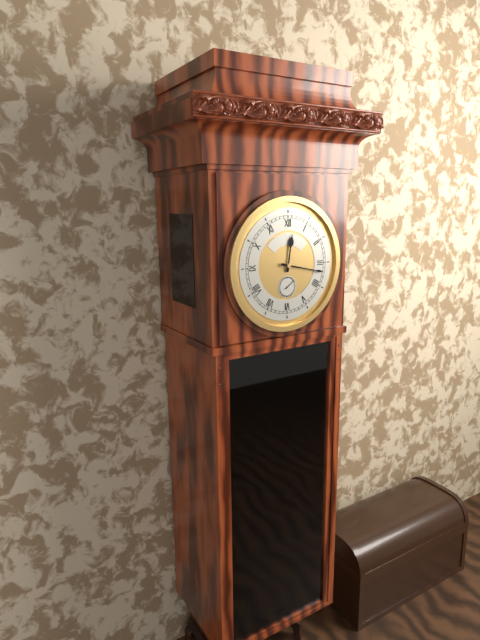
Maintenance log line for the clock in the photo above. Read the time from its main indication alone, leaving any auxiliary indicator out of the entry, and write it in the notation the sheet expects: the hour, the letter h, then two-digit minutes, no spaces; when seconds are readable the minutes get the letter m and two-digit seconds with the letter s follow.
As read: 12h17
